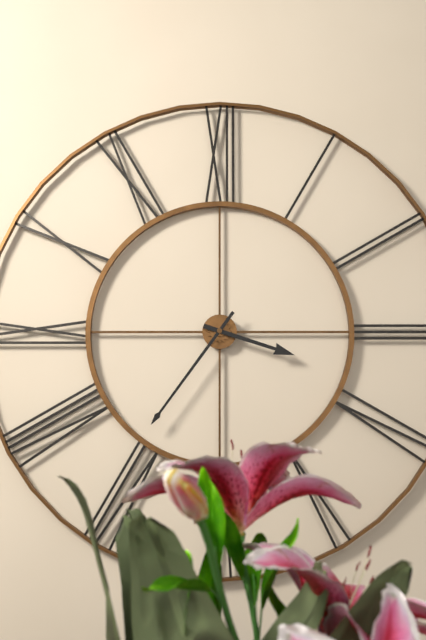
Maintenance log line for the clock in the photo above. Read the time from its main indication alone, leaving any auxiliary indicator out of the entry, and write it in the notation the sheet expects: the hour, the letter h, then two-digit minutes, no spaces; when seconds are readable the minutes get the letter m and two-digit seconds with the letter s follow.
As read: 3h36
